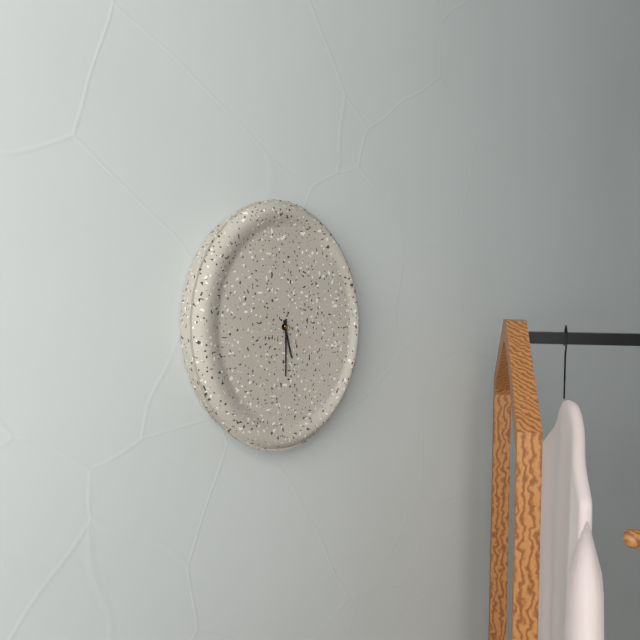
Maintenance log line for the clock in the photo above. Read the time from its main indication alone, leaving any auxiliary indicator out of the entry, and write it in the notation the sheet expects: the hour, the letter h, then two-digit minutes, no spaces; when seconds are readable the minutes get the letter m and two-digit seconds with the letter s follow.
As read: 5h30
